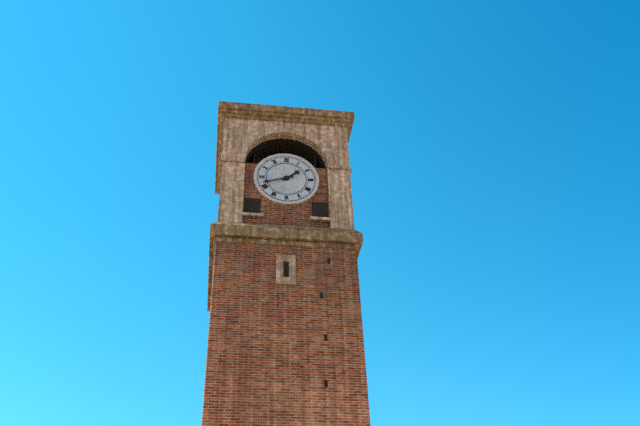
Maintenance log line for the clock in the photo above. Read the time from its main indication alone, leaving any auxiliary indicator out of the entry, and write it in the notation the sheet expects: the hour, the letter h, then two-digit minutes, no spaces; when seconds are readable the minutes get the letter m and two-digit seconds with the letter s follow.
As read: 1h42
